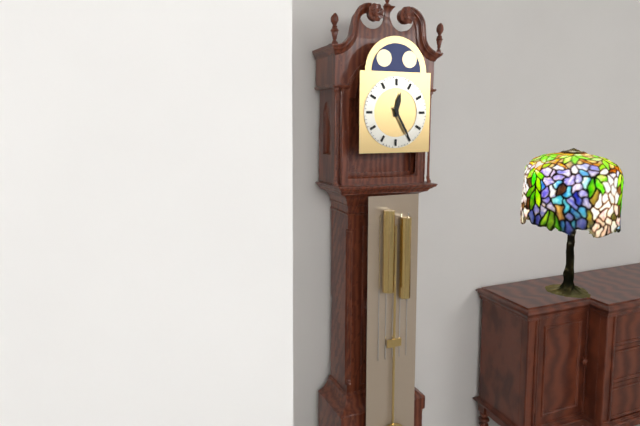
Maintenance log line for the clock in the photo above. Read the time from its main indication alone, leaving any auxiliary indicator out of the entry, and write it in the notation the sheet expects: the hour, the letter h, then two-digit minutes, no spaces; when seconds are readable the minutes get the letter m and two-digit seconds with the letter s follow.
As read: 12h25
